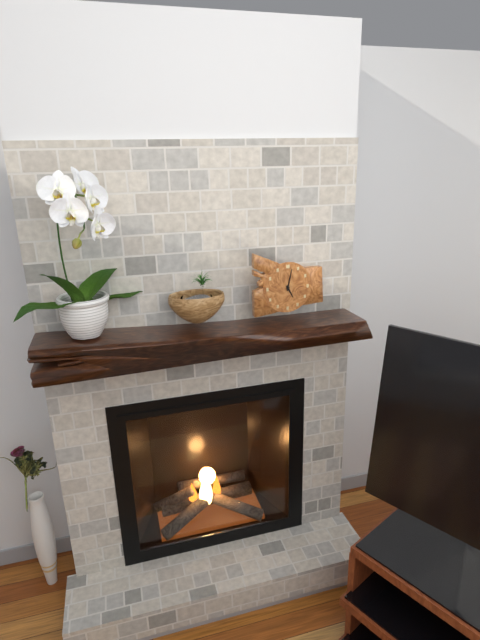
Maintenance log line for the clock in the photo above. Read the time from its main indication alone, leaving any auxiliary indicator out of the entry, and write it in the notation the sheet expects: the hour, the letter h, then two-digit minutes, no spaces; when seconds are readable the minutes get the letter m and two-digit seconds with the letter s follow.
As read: 5h02
